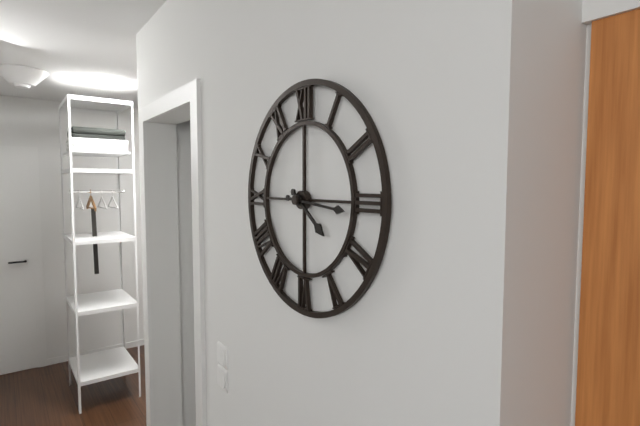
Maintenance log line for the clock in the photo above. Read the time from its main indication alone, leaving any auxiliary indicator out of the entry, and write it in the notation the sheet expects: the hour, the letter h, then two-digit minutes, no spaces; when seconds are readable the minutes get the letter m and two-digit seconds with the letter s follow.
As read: 4h16
